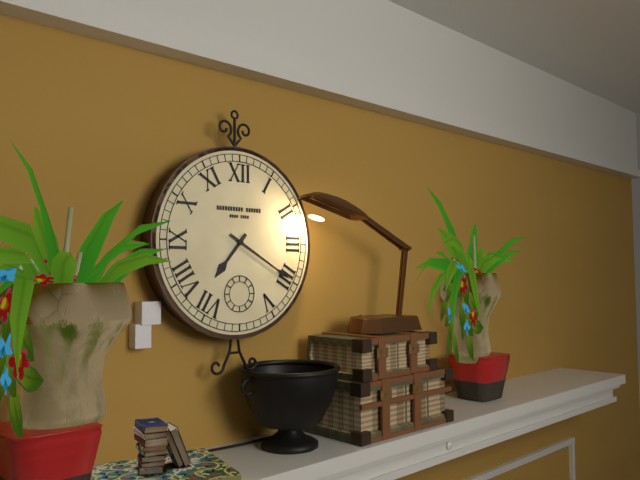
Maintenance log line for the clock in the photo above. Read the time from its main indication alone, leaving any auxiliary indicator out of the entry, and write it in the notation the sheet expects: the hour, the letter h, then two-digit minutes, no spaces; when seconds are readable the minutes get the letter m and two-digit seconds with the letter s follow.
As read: 7h20
